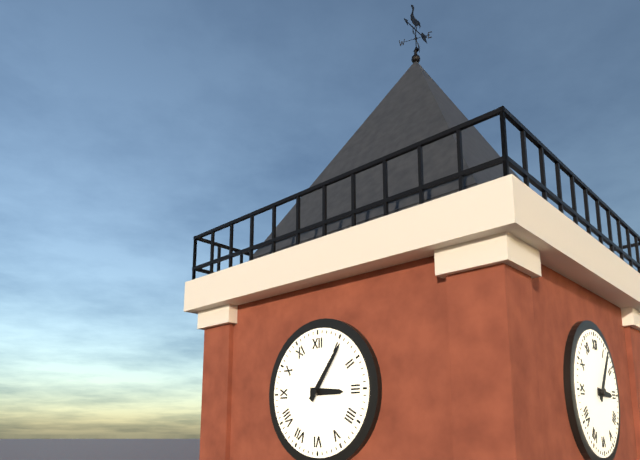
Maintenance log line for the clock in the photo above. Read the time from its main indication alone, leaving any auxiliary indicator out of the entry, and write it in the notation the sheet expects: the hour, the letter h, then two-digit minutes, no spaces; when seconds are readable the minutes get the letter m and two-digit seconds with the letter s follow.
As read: 3h06
